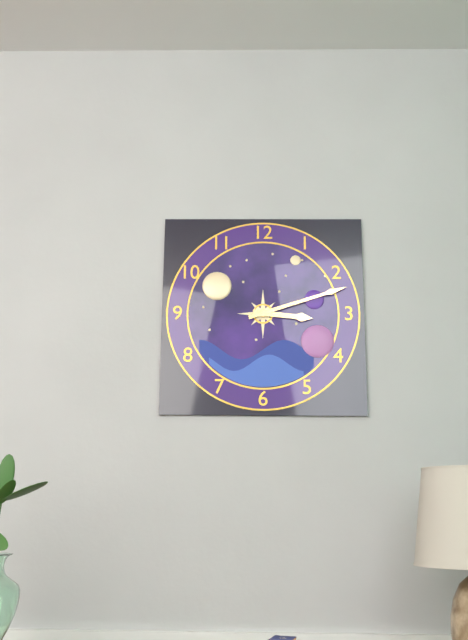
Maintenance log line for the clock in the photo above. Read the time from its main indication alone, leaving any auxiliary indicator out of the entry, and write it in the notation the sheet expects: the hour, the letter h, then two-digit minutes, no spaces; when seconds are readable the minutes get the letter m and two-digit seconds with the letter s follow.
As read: 3h12
